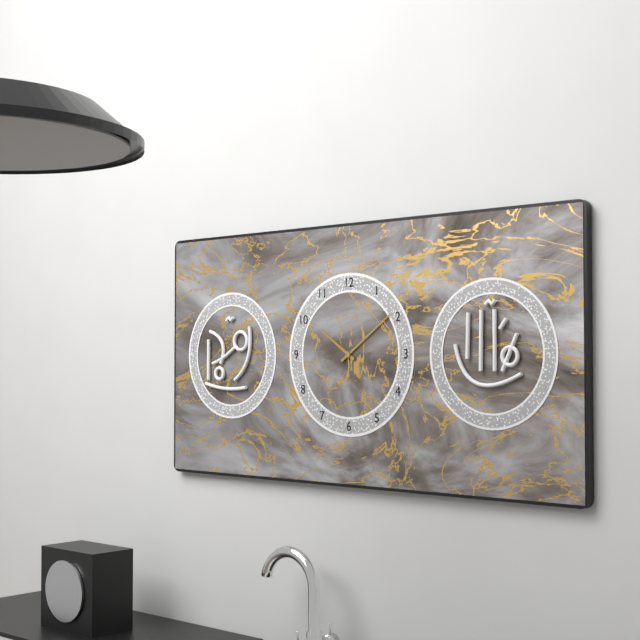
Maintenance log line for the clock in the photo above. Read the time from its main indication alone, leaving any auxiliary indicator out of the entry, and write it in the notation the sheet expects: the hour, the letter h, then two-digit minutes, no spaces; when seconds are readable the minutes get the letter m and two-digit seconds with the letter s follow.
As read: 10h09
